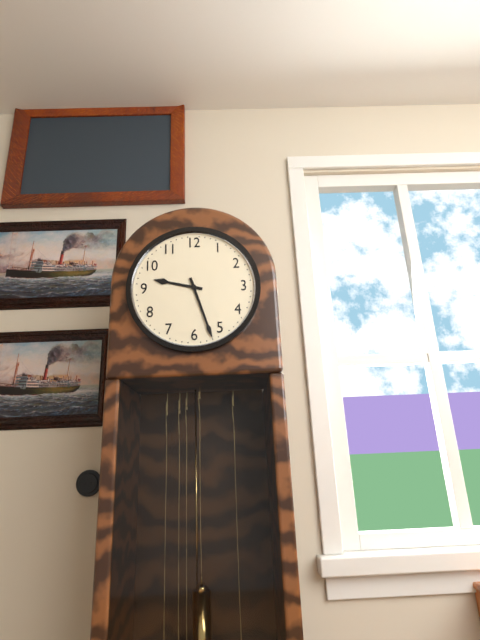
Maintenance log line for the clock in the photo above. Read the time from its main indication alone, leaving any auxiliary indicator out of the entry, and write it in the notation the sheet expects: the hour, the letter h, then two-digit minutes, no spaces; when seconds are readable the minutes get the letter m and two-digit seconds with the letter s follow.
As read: 9h27
